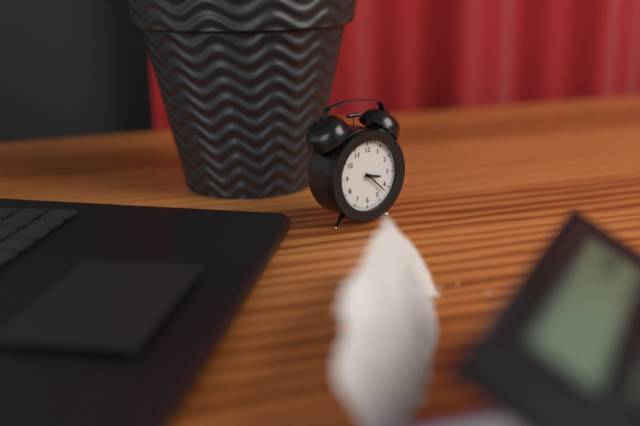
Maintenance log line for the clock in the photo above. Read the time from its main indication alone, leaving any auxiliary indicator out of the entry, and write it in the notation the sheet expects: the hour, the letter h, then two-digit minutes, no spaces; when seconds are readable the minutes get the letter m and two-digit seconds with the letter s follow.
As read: 3h22
